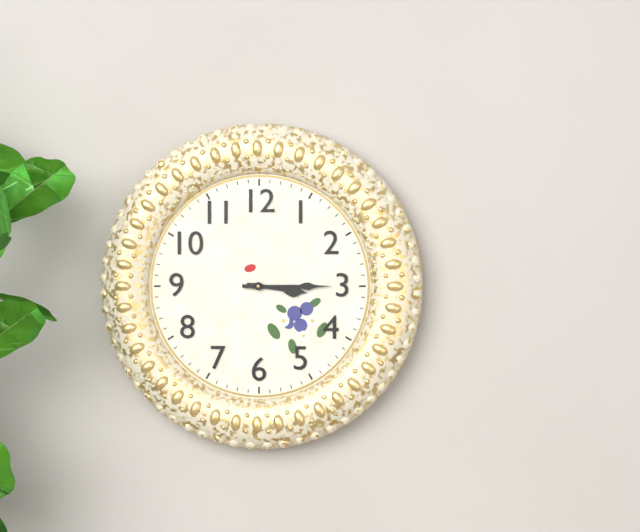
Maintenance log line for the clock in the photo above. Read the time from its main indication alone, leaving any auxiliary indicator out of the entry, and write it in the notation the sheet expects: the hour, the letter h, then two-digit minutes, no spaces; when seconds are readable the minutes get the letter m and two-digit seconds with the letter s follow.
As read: 3h15
